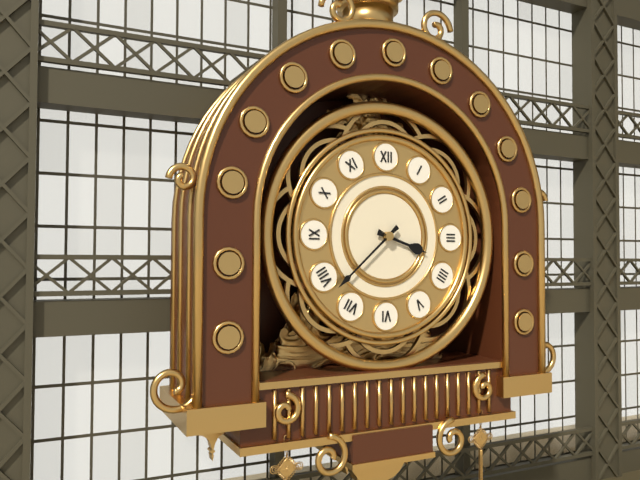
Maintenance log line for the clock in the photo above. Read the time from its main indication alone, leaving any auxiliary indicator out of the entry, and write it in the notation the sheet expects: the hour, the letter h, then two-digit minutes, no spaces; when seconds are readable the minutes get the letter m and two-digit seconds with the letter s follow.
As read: 3h38
